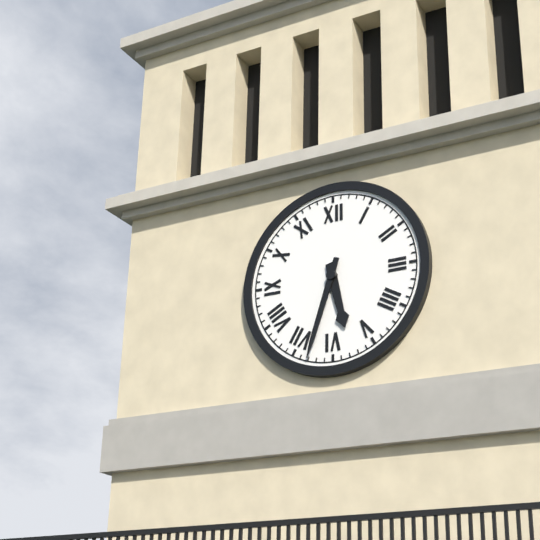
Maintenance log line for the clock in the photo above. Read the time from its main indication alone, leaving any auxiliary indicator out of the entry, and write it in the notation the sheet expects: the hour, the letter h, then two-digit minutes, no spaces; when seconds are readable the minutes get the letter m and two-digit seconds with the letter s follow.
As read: 5h33
